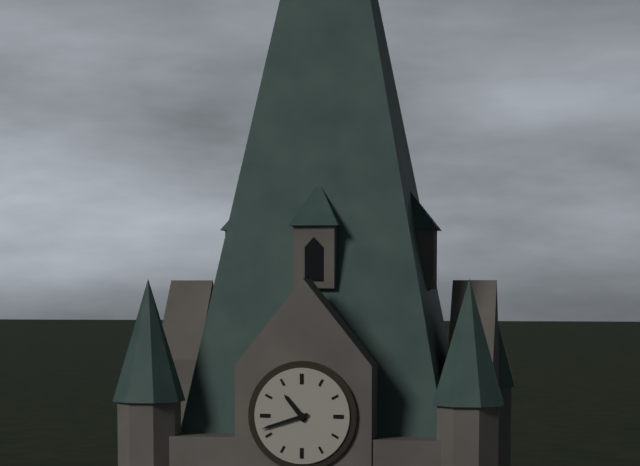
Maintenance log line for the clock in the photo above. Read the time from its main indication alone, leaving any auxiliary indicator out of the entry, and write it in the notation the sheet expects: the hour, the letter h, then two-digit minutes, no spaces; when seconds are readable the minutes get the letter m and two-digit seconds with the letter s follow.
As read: 10h42
